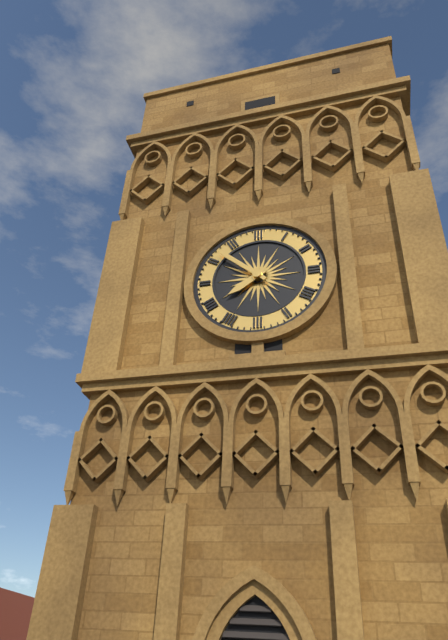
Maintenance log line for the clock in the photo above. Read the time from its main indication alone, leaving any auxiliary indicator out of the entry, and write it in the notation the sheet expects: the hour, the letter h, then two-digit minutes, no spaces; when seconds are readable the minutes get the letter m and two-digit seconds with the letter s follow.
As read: 7h52
